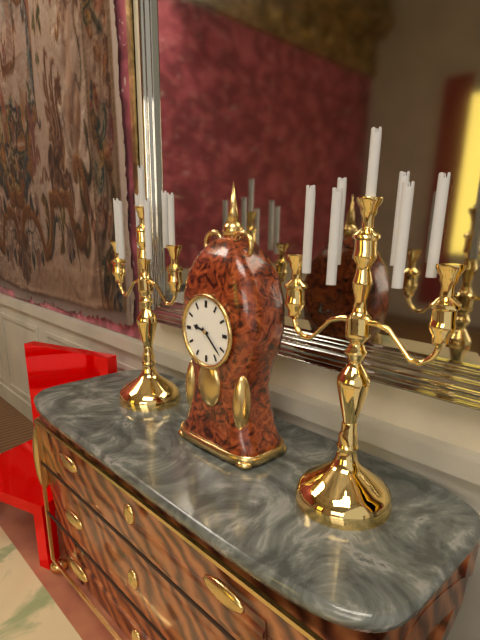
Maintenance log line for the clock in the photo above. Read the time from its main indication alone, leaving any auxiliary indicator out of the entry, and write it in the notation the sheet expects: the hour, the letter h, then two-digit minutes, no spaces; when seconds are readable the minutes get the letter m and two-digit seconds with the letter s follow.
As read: 9h22
